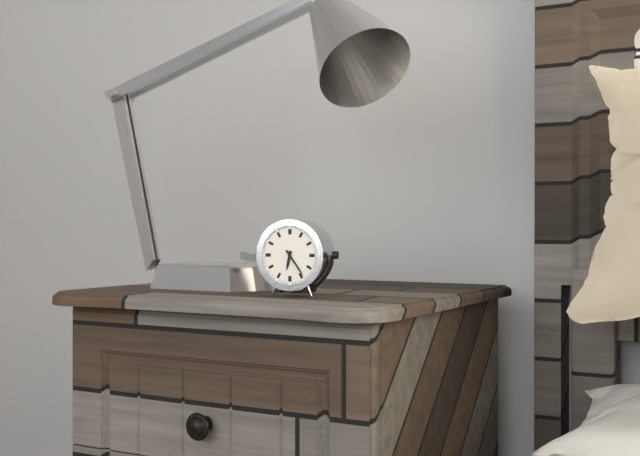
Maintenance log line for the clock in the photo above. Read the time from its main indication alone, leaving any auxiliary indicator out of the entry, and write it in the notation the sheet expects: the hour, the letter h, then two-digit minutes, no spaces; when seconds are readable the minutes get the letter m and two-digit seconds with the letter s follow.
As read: 6h24
